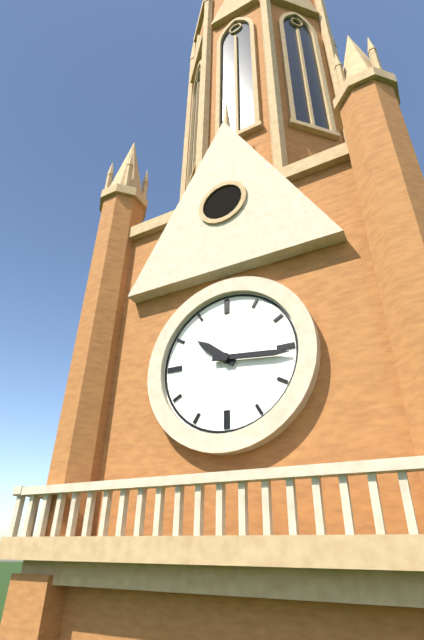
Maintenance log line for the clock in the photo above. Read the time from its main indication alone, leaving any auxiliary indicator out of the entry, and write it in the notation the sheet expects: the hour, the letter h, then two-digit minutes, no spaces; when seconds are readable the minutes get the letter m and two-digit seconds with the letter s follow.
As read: 10h16
